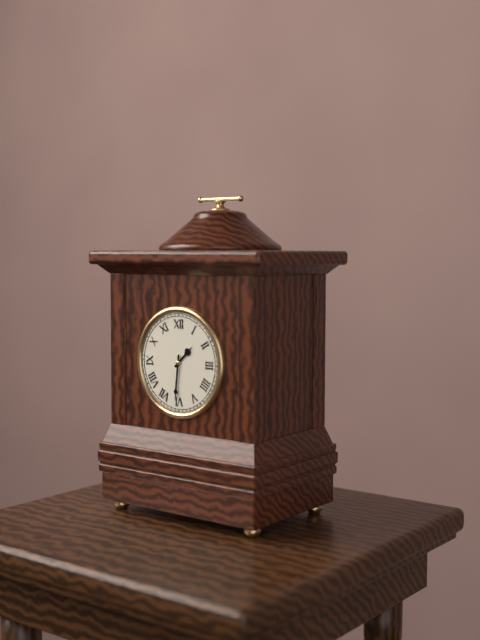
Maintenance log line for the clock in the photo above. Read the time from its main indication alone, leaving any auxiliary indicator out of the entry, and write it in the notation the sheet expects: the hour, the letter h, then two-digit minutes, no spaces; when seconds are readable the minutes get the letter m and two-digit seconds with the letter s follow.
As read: 1h31
